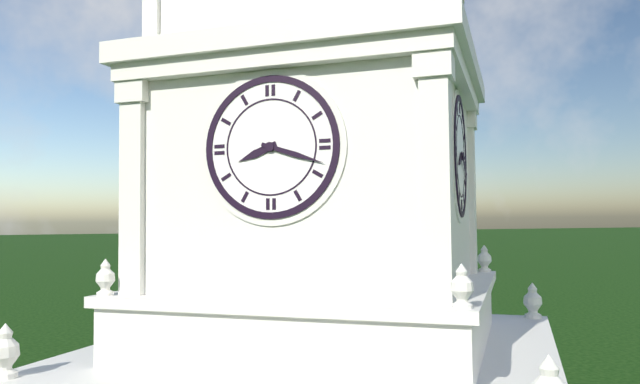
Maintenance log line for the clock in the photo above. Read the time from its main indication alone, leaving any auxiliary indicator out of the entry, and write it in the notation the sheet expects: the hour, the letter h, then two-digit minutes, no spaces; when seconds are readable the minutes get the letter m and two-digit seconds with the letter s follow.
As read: 8h18
